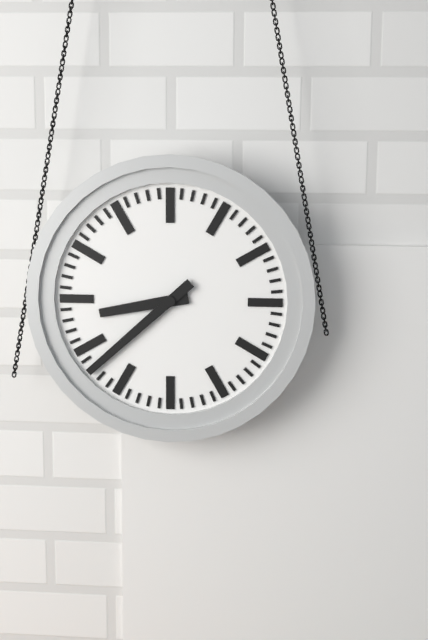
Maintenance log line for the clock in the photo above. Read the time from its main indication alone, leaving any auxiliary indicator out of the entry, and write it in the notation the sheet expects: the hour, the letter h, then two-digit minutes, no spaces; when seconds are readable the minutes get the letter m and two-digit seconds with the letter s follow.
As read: 8h38
